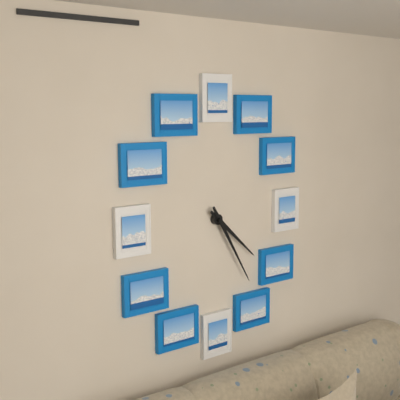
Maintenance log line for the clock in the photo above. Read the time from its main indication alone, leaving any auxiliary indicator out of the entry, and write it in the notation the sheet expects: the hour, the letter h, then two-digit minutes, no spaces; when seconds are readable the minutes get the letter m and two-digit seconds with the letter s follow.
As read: 4h25
